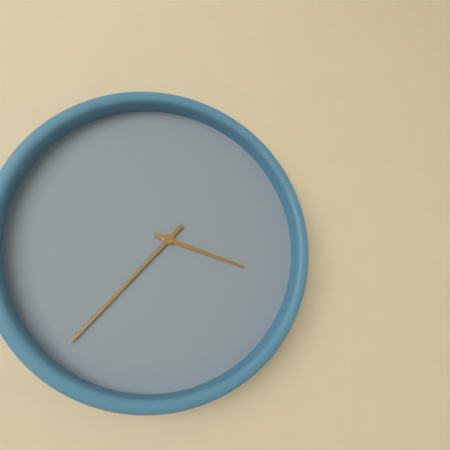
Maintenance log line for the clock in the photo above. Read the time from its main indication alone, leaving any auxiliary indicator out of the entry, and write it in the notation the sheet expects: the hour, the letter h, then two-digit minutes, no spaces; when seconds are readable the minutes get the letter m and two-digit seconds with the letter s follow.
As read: 3h37
